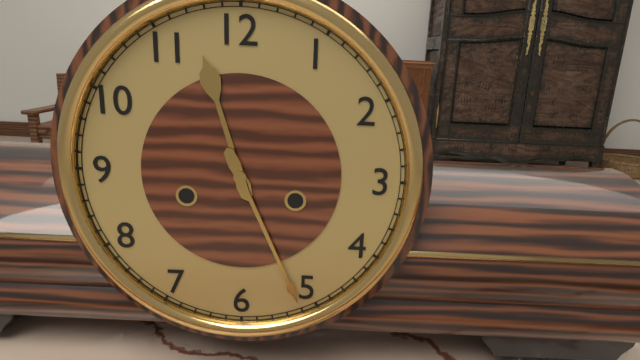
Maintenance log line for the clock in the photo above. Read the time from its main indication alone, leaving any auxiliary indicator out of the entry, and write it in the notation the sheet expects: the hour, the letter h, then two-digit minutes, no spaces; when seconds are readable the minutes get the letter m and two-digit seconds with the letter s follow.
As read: 11h26
